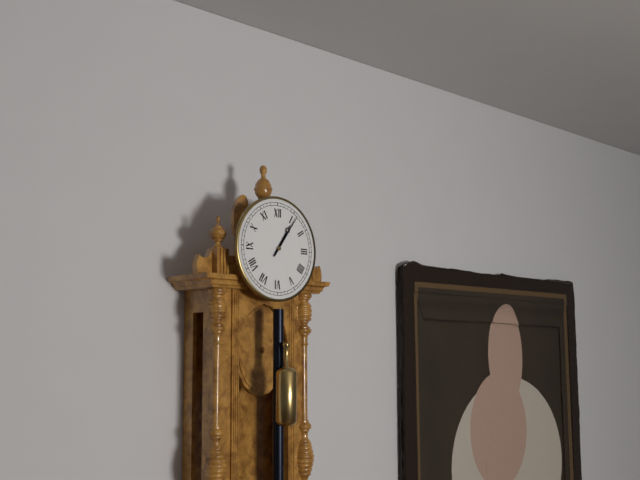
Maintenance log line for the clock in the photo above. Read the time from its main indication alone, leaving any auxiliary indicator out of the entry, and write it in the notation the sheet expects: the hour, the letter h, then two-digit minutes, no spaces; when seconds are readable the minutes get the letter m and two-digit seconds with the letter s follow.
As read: 1h06
